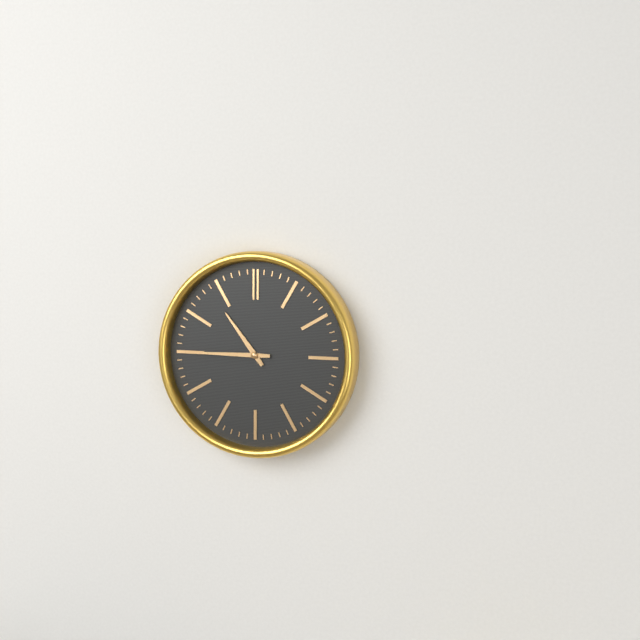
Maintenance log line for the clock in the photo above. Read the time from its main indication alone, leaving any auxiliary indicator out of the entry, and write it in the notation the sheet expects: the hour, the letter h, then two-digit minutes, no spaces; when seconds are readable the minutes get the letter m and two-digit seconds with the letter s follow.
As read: 10h45
